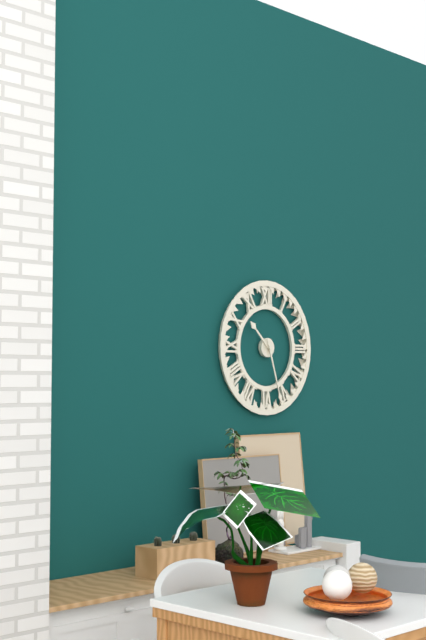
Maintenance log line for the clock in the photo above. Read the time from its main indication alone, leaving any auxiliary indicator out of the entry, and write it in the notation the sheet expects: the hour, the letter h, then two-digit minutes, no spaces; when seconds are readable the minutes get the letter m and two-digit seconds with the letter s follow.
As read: 10h27
